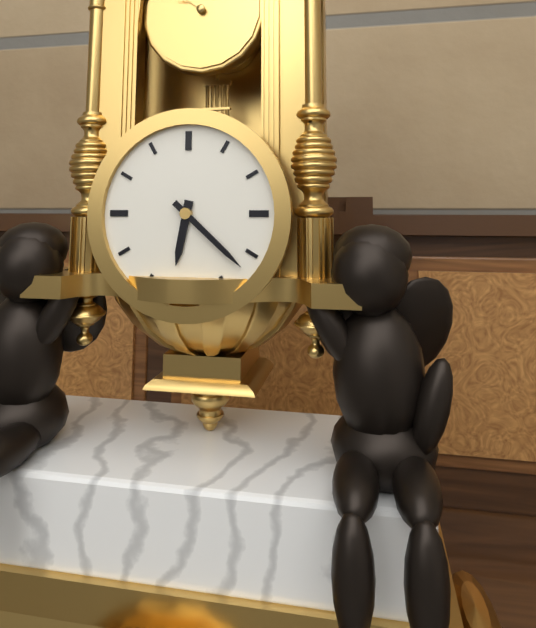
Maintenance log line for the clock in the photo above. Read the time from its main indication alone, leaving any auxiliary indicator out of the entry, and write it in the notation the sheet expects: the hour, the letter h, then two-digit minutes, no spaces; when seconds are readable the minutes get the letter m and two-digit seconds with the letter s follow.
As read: 6h22
